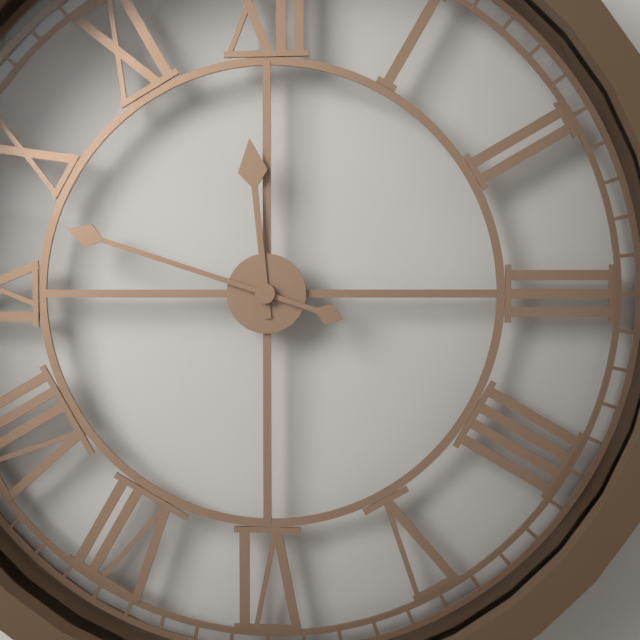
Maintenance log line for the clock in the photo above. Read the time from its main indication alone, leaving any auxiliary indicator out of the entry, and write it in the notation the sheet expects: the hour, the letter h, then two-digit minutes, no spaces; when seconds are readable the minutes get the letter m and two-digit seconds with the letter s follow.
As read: 11h48
